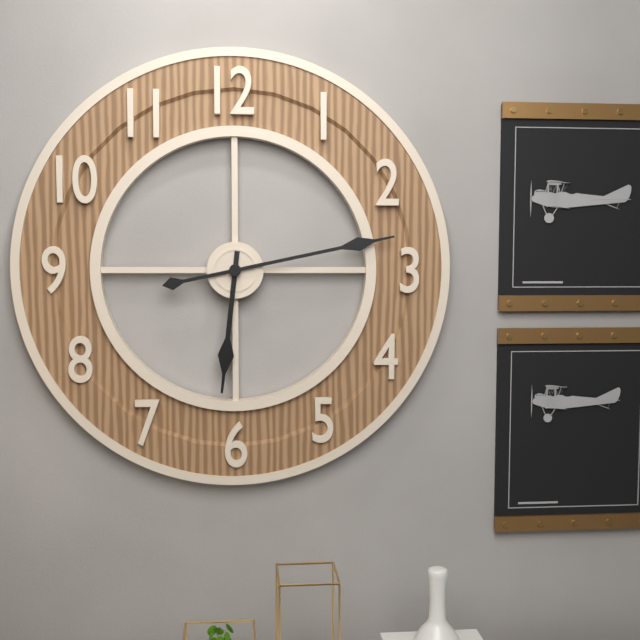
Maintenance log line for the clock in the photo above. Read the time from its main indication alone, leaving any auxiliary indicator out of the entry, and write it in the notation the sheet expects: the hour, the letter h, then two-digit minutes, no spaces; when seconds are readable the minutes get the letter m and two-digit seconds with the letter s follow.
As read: 6h13
